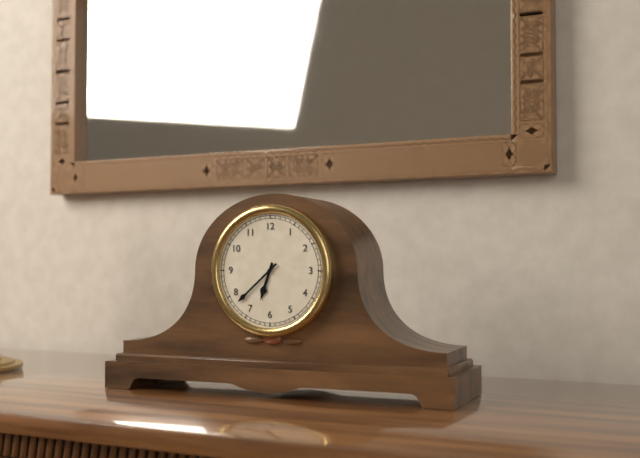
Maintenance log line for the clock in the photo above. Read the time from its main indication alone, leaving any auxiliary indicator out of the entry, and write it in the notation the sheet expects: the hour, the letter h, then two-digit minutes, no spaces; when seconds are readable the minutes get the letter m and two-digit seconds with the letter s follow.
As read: 6h38
